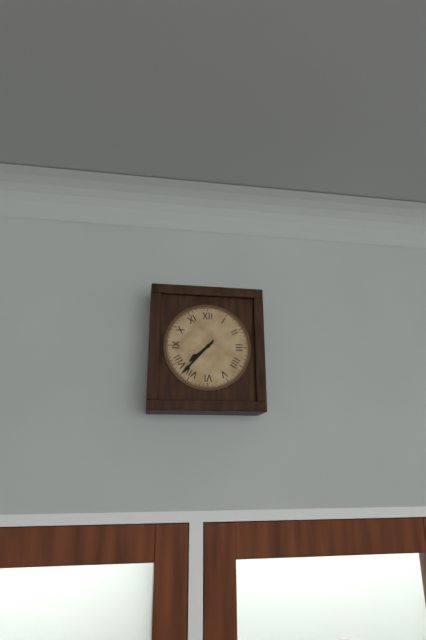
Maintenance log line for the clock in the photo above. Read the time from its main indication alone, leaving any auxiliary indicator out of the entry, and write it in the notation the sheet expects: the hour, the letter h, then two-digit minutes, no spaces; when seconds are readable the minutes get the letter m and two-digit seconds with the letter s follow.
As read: 7h37
